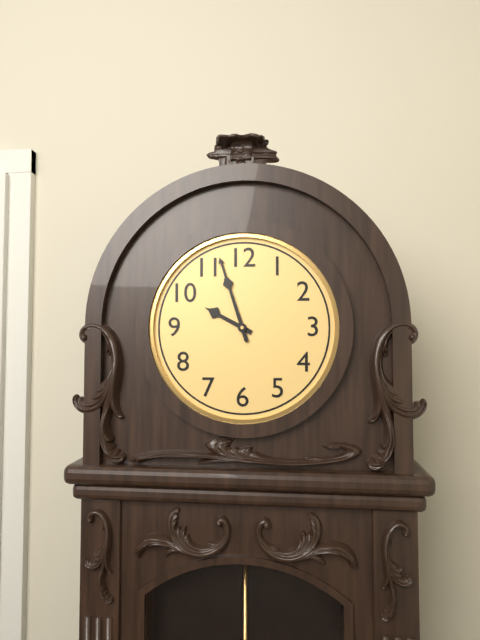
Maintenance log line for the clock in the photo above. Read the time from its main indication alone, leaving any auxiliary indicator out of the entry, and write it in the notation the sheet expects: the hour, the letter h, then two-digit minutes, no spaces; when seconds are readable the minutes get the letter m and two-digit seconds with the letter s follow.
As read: 9h57
